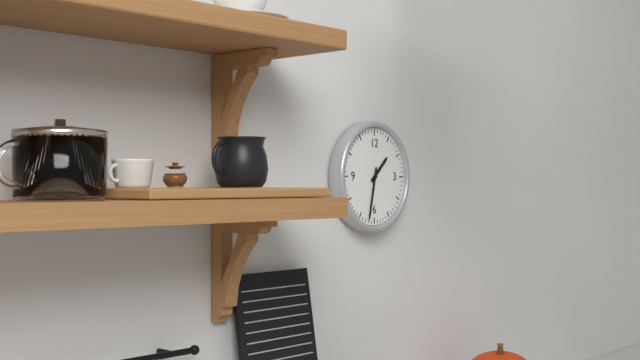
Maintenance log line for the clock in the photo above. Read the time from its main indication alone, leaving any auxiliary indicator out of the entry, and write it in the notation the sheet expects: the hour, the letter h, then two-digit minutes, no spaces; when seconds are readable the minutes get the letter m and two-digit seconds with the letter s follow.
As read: 1h32
